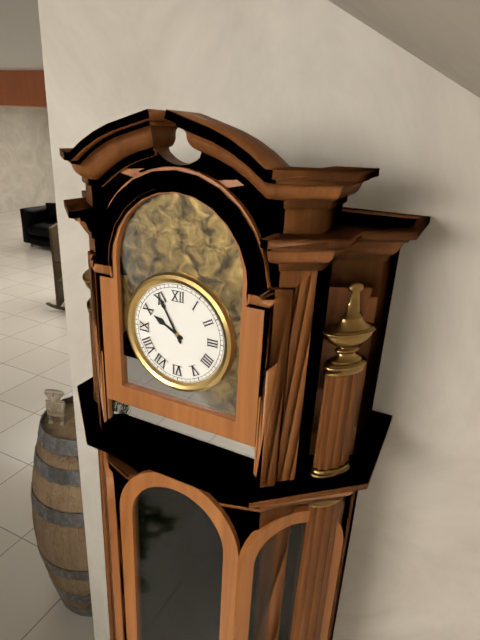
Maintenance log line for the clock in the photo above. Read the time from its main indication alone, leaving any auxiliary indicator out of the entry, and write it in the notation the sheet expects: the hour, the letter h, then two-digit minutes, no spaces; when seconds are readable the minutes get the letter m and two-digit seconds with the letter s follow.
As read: 9h55
